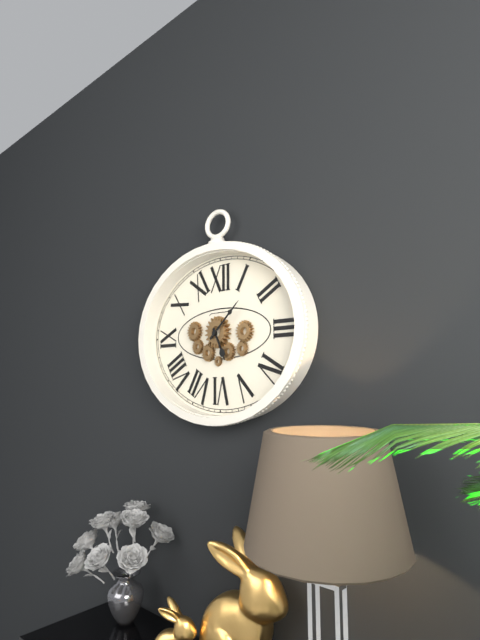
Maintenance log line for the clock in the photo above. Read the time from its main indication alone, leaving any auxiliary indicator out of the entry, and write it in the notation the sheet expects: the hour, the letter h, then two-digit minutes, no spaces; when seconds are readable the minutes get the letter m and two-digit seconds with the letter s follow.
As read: 5h08
